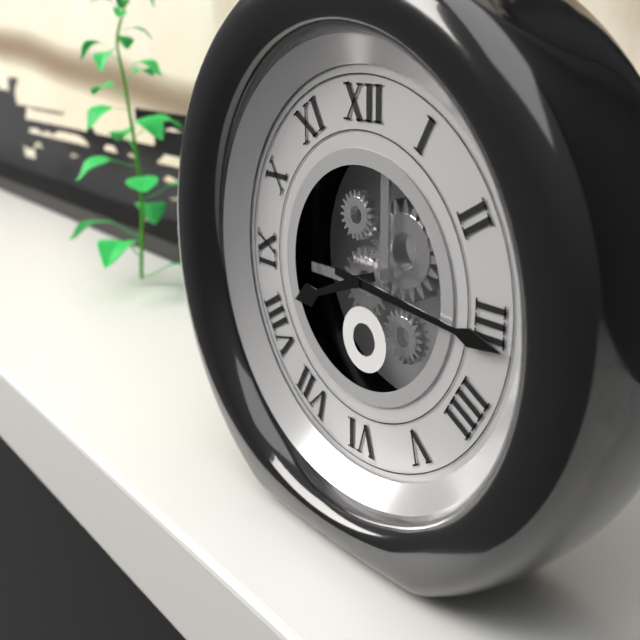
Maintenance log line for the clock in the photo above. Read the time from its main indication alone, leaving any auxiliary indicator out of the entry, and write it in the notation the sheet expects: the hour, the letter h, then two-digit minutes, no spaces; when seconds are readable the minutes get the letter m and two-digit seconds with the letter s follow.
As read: 8h16
